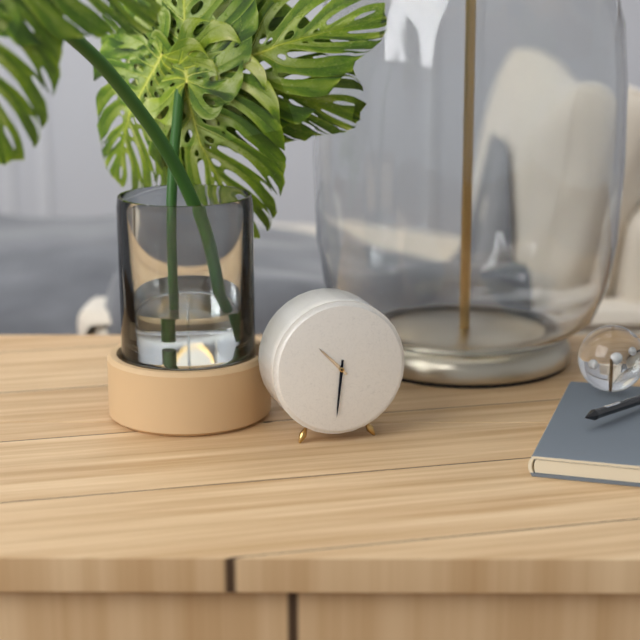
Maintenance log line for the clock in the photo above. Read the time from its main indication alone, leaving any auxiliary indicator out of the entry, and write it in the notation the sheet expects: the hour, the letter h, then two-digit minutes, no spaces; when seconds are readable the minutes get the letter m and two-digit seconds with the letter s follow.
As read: 10h31
